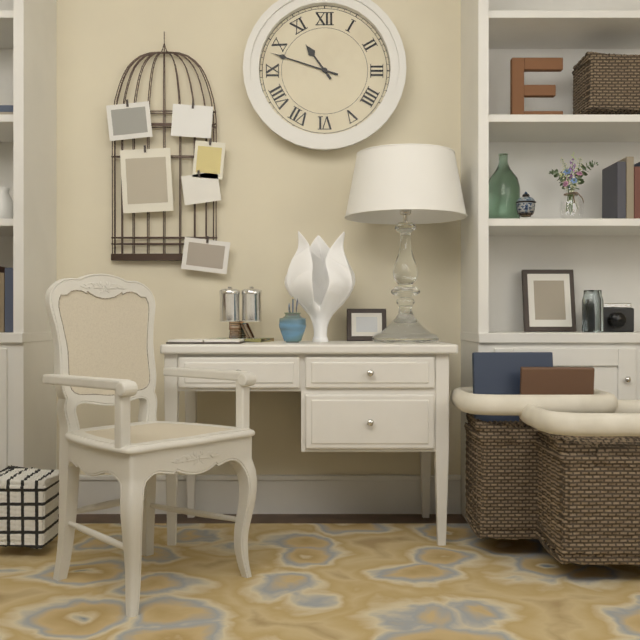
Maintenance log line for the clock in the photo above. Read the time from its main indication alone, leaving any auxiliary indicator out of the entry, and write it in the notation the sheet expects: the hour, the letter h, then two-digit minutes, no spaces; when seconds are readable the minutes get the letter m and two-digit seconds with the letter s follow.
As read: 10h48
